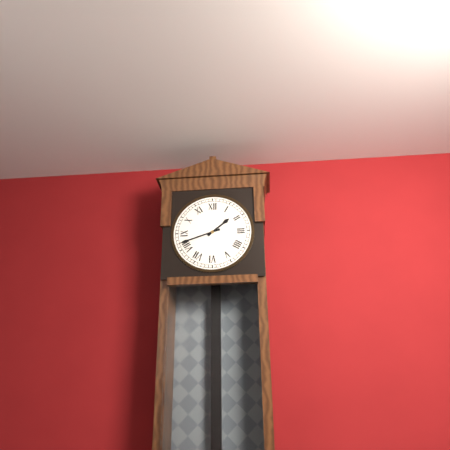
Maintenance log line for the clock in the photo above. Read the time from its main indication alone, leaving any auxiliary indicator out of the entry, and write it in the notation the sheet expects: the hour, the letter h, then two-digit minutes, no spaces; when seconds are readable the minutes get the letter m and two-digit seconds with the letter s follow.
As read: 1h42
